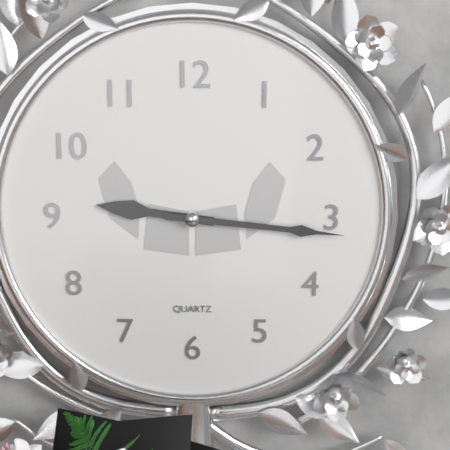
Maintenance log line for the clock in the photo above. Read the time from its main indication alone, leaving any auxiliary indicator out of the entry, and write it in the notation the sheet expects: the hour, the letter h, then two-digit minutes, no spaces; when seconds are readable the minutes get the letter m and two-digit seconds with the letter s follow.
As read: 9h16
